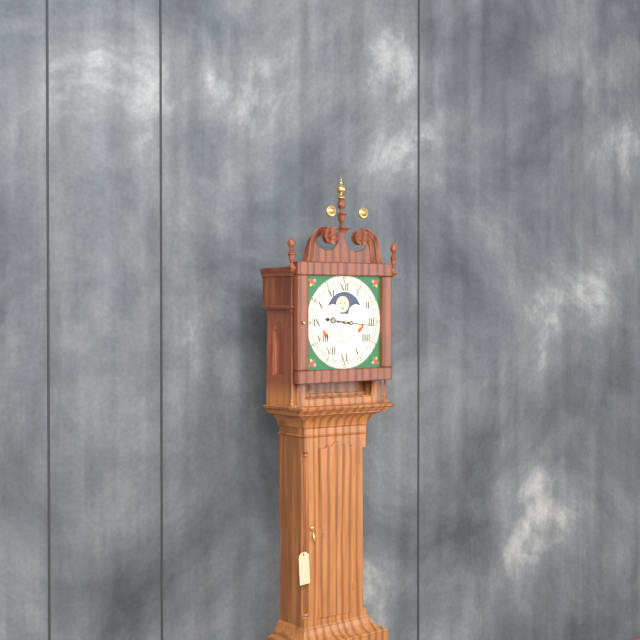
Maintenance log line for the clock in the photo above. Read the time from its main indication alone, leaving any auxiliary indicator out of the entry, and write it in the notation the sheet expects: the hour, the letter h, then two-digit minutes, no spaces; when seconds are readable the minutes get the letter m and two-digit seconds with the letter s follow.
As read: 9h16
